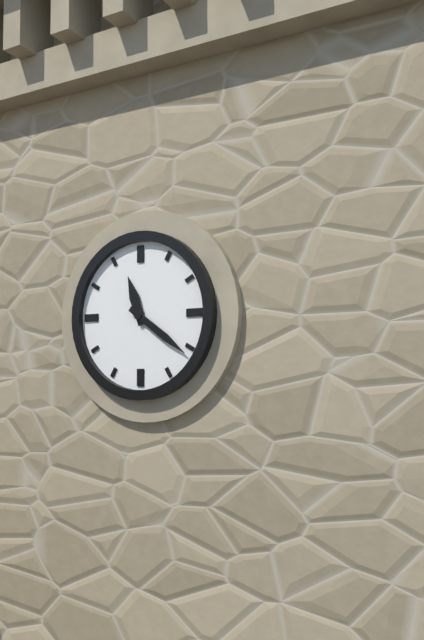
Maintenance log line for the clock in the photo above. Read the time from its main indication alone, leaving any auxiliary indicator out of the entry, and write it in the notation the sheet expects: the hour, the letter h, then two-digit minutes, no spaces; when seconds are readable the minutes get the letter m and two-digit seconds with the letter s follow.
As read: 11h21
